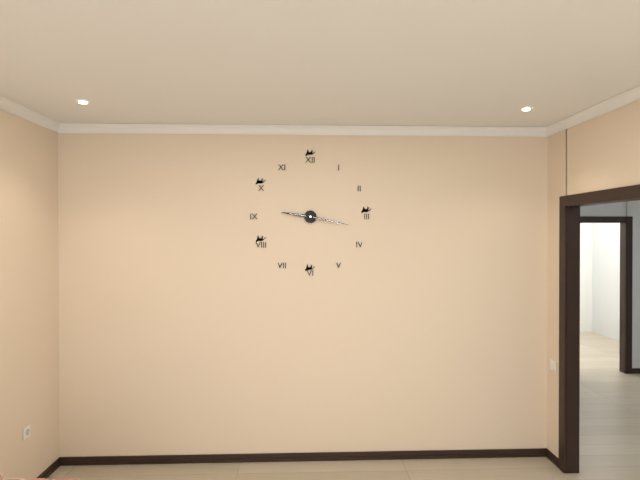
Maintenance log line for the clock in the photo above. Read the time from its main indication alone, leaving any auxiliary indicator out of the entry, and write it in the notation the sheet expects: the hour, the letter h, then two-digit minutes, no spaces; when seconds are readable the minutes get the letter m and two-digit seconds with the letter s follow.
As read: 9h17
